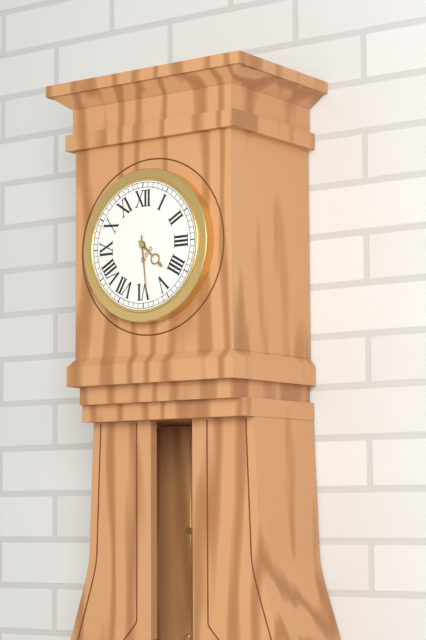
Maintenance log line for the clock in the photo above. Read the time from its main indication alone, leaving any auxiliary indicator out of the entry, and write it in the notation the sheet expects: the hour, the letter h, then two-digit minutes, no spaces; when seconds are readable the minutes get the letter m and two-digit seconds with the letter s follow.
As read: 4h29
